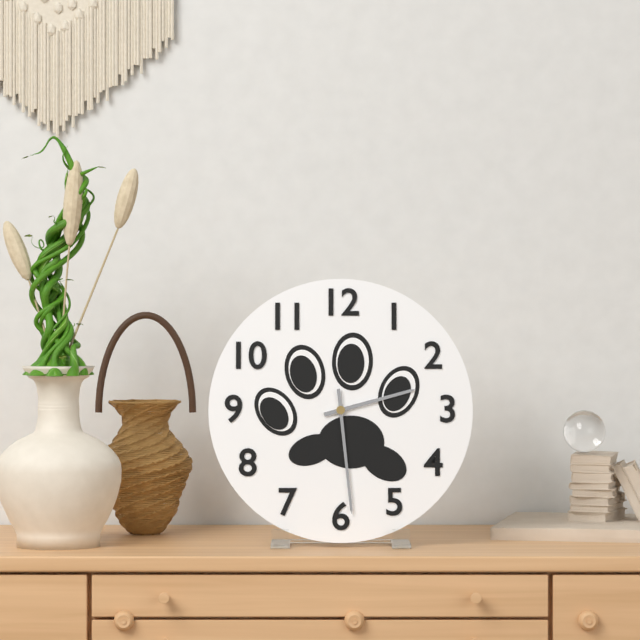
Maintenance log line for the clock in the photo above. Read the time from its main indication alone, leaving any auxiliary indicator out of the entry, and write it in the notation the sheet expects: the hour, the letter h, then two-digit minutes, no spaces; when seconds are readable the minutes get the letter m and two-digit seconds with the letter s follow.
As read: 2h29
